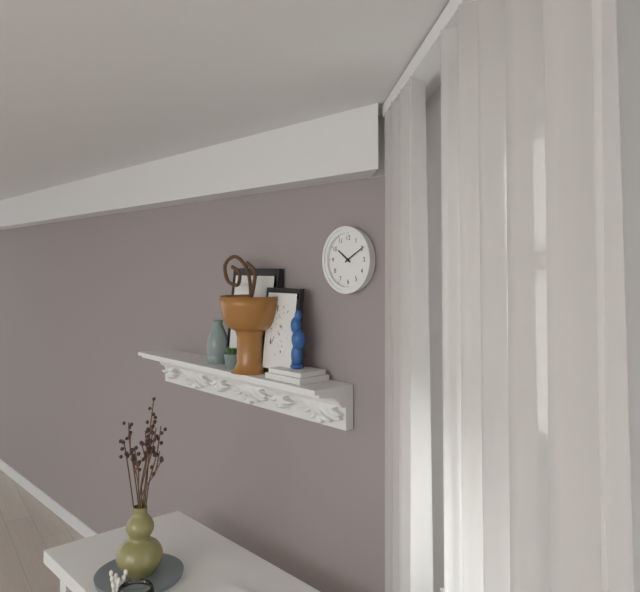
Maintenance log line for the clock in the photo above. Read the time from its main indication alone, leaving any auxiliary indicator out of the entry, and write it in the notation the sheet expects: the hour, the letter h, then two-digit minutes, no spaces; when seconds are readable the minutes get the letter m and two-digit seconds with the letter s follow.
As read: 10h10
